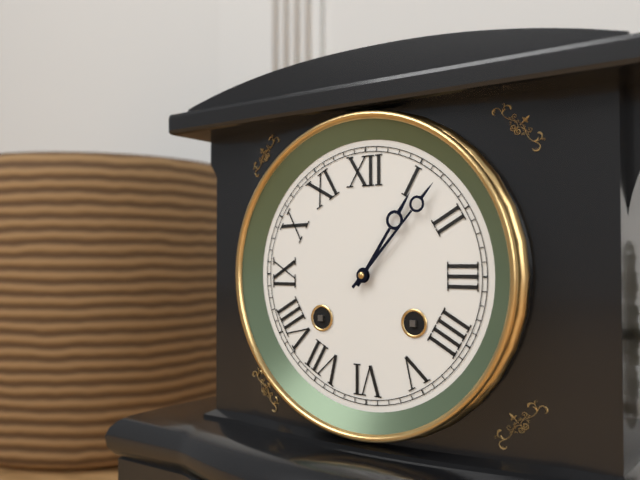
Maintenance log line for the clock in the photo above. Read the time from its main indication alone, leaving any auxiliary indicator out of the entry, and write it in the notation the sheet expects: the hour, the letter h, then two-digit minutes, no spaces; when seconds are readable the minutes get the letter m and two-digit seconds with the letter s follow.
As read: 1h07
